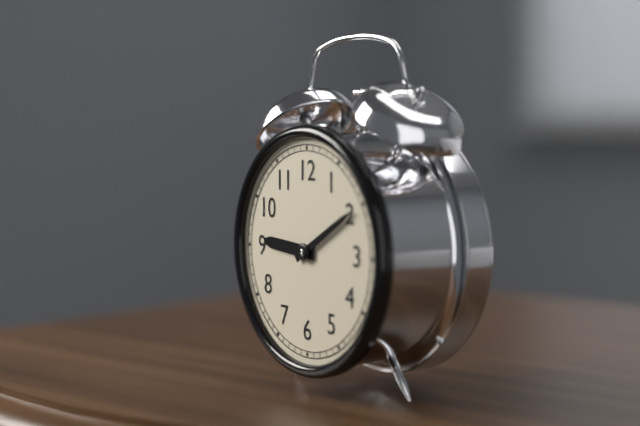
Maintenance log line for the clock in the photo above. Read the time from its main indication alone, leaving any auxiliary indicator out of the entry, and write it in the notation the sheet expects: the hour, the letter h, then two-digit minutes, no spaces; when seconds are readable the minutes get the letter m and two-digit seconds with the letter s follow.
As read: 9h10
